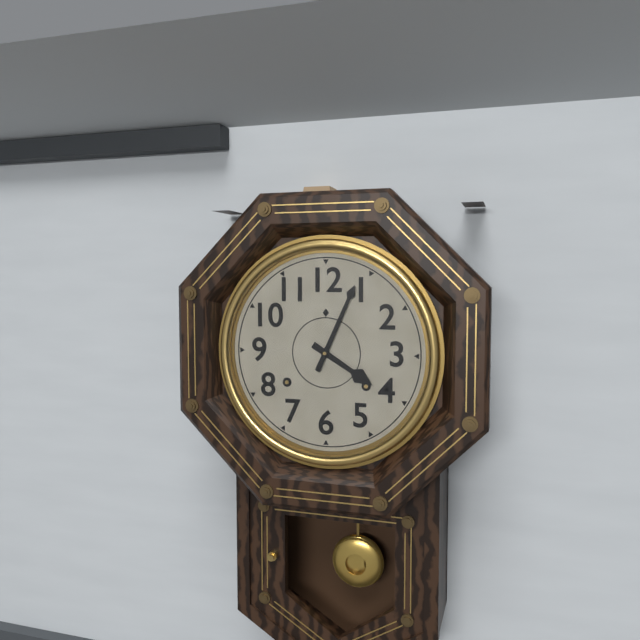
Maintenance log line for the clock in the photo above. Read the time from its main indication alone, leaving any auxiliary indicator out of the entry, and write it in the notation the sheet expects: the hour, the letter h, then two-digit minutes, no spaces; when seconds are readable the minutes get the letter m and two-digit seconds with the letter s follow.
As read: 4h04
